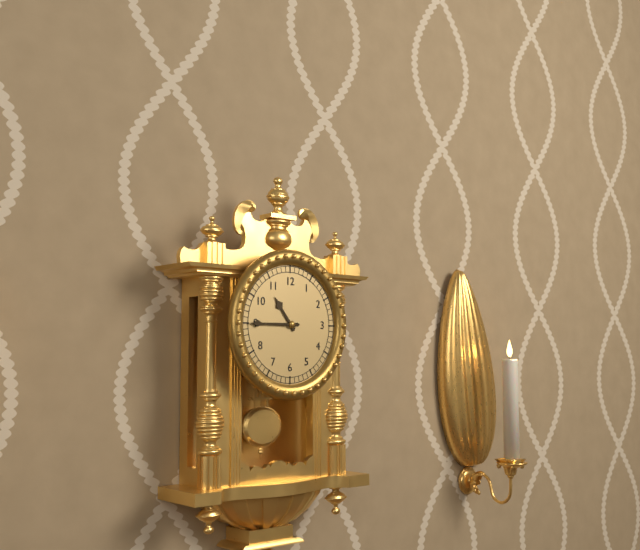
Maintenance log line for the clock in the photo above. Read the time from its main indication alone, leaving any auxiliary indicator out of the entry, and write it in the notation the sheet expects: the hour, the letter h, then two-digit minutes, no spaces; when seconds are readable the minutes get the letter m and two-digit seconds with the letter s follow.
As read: 10h45
